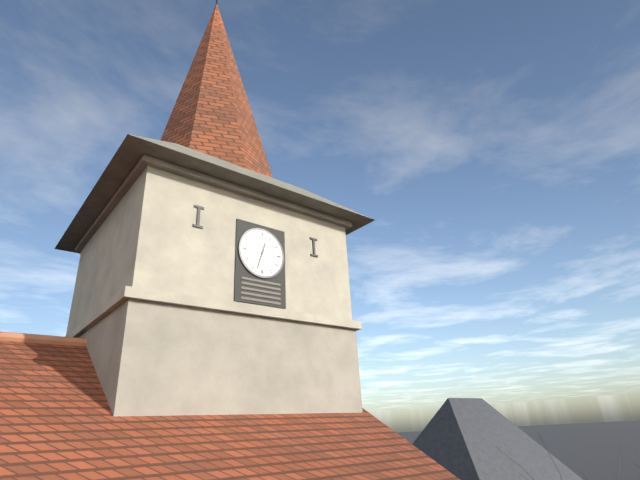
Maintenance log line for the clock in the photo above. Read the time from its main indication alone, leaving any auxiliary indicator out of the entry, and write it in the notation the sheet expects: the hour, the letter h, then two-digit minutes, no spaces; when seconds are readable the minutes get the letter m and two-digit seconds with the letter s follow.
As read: 12h33
